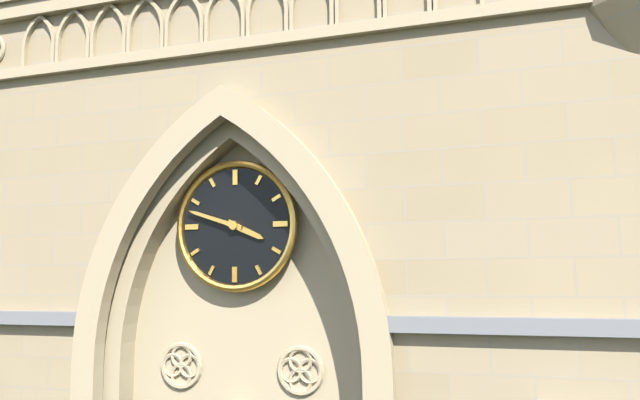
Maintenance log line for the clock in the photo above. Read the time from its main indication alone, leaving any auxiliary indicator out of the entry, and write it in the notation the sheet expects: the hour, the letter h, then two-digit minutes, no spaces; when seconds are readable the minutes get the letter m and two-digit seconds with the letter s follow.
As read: 3h48
